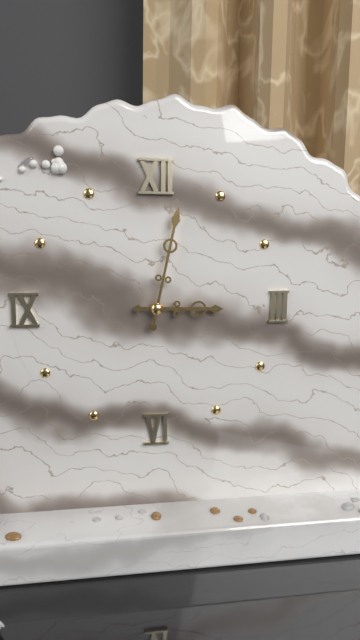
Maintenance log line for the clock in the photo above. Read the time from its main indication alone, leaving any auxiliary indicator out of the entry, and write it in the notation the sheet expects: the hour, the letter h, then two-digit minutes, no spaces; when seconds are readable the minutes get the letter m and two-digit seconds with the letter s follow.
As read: 3h02
